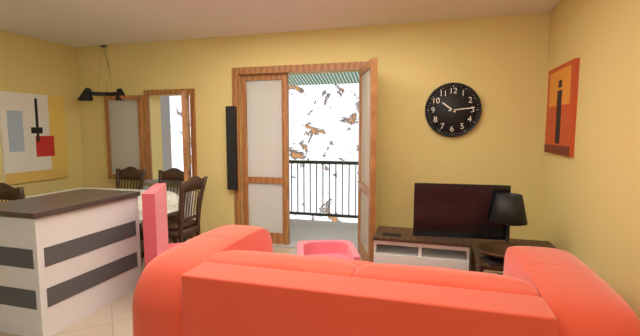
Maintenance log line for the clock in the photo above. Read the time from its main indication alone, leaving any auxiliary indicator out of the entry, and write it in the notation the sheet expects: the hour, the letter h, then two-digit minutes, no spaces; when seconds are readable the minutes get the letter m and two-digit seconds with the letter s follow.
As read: 10h14
